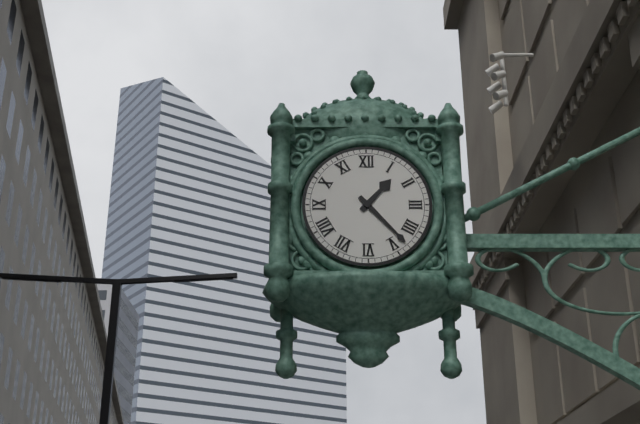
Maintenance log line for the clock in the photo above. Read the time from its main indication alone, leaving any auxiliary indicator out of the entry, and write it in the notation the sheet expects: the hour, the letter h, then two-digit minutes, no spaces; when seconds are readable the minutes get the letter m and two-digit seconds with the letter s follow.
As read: 1h23
